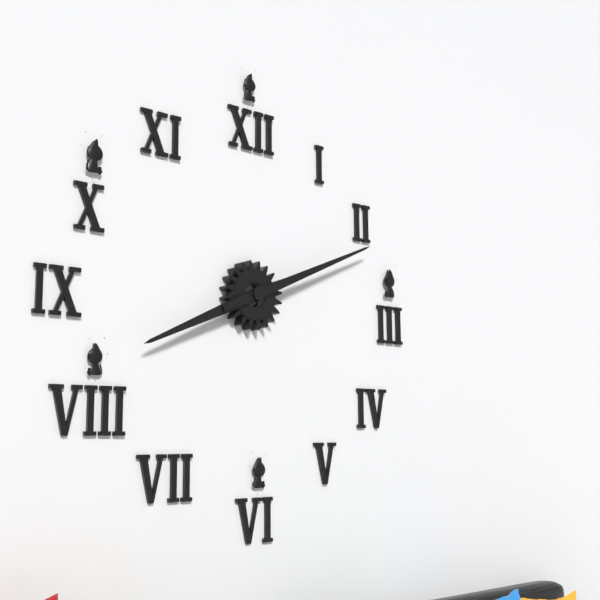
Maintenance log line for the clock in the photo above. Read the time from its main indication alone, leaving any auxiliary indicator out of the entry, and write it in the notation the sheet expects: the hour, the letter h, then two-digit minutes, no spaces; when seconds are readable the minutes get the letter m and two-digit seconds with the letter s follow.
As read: 8h11
